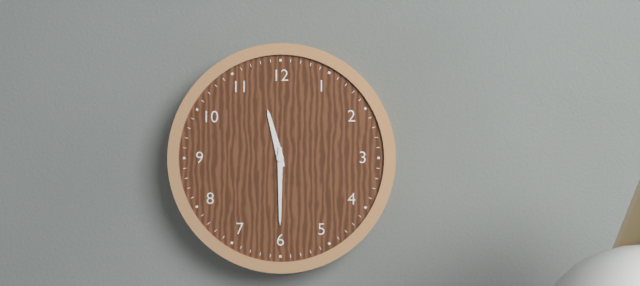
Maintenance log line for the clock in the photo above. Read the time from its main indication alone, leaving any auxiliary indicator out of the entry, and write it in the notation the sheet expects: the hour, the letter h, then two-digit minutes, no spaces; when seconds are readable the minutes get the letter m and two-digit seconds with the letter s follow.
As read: 11h30
